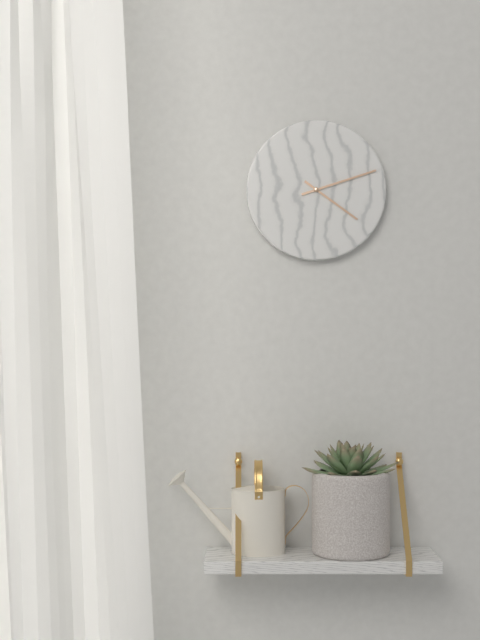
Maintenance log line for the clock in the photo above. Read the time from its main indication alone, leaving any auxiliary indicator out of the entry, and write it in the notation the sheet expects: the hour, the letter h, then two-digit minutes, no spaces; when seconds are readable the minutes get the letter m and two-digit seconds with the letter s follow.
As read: 4h12
